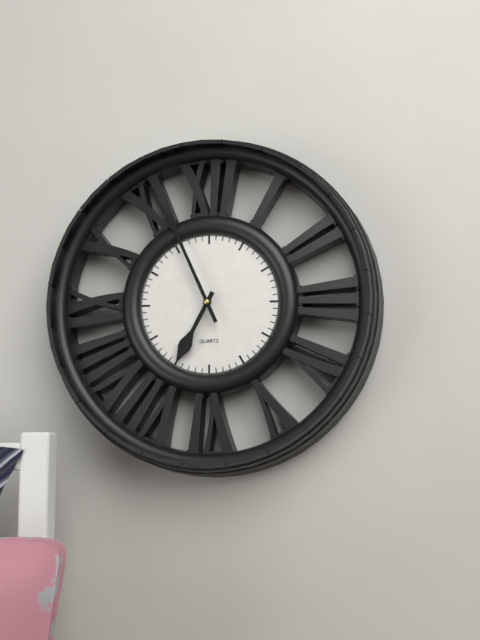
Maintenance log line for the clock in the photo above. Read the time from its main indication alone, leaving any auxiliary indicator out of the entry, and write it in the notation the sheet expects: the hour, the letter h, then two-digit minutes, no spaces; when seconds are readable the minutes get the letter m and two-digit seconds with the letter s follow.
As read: 6h56
